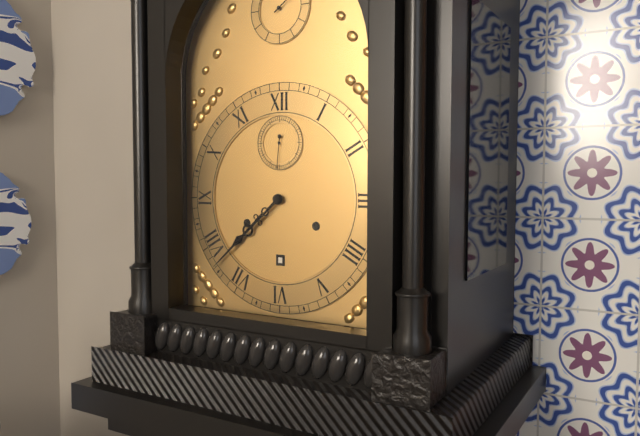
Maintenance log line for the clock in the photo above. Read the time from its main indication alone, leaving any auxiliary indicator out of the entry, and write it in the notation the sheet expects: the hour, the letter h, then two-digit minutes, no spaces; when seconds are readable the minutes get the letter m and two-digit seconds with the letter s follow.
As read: 7h38
